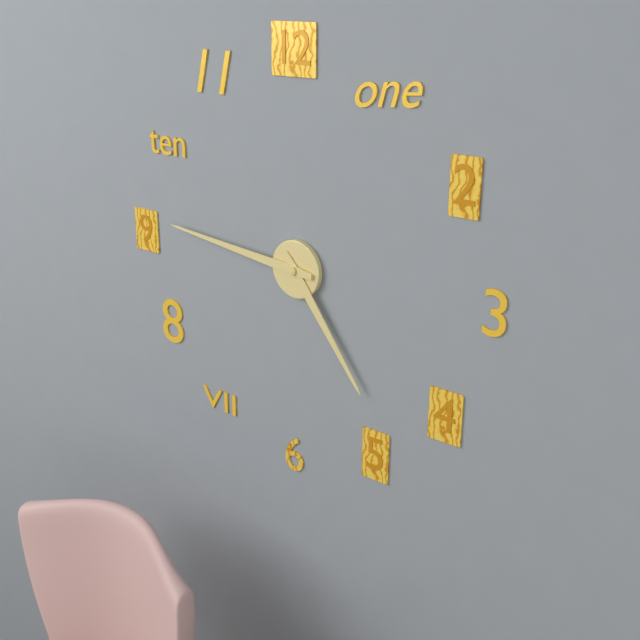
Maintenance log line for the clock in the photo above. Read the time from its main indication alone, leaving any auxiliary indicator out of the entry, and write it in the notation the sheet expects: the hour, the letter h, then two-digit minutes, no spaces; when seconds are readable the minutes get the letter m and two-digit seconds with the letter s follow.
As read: 4h46
